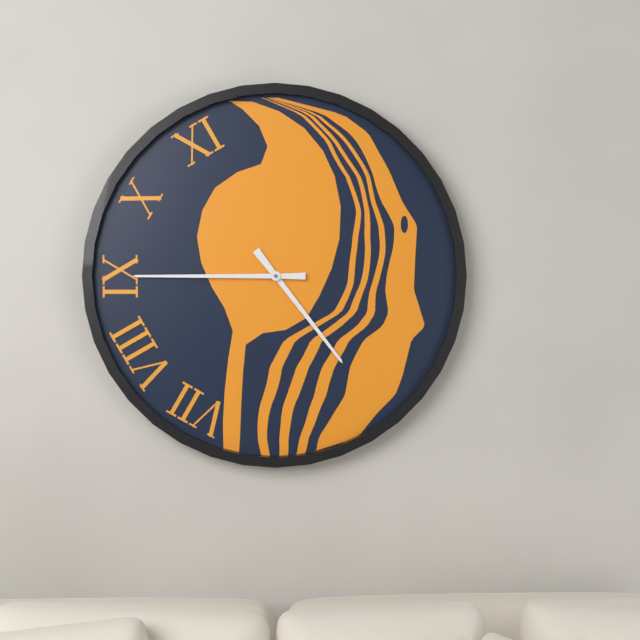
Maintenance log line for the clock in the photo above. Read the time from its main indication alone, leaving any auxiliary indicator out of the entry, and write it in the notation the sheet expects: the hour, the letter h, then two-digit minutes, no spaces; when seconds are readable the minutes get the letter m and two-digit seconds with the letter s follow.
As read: 4h45
